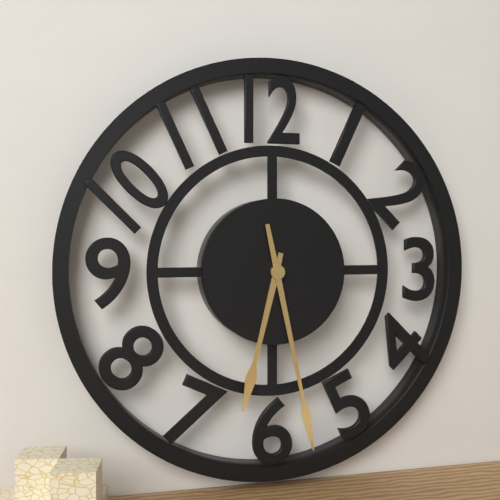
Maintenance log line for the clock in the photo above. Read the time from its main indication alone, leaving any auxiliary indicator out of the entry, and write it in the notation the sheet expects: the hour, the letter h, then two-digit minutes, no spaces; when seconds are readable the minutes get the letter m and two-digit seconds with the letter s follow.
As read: 6h28
